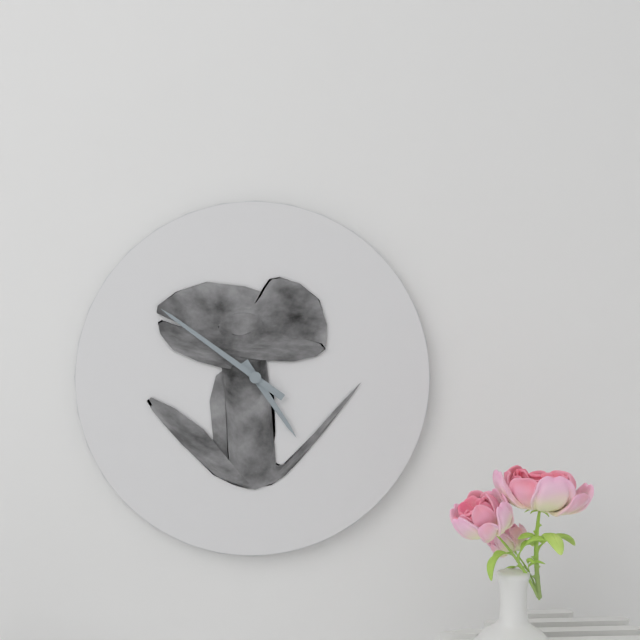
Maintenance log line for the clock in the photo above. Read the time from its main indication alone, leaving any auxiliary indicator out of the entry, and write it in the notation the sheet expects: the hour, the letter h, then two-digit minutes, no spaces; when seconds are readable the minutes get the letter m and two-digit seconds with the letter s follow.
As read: 4h51
